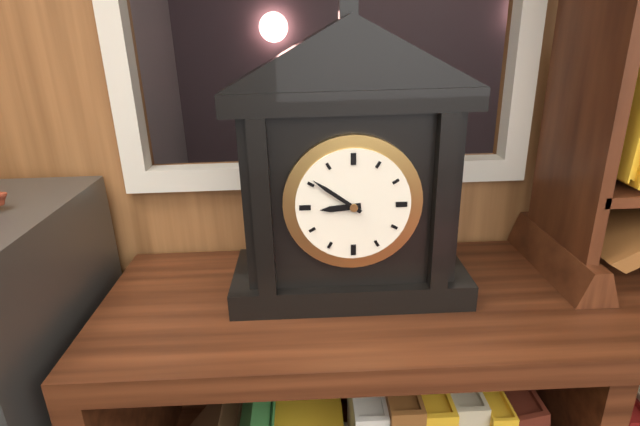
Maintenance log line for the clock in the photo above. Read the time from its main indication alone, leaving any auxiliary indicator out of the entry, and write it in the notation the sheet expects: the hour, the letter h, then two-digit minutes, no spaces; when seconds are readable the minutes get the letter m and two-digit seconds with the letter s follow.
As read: 8h51
